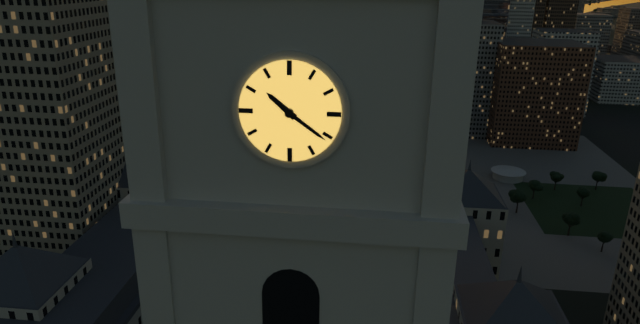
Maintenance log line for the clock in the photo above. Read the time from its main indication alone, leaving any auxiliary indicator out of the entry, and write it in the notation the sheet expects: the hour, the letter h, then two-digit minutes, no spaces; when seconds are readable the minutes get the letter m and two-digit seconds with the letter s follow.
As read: 10h21
